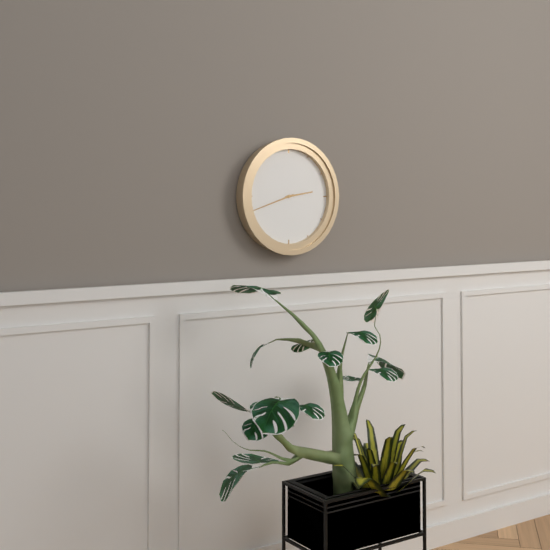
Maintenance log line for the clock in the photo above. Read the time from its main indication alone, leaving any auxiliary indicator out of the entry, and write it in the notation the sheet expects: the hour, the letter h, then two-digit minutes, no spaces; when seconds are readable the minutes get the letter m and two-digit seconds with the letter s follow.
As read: 2h42
